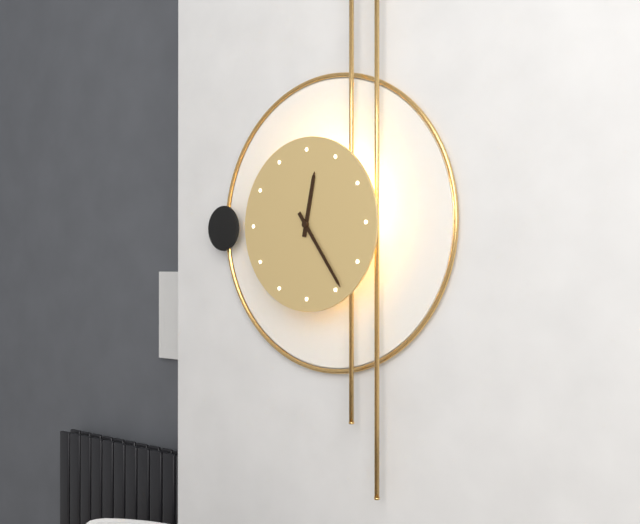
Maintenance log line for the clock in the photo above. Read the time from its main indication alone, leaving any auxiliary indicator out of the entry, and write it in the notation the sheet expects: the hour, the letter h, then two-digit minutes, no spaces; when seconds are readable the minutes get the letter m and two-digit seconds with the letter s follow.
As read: 12h24
